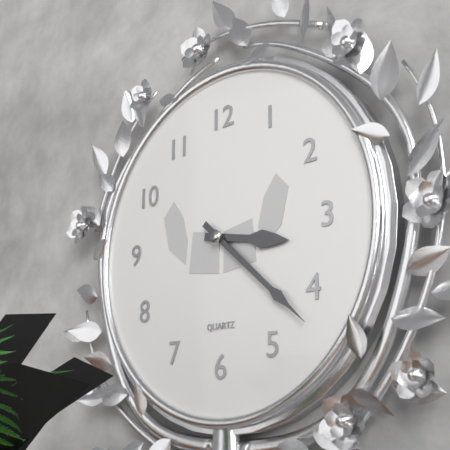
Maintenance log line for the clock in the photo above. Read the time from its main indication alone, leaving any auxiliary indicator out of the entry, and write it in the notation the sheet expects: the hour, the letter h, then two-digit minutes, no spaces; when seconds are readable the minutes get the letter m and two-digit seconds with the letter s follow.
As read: 3h22
